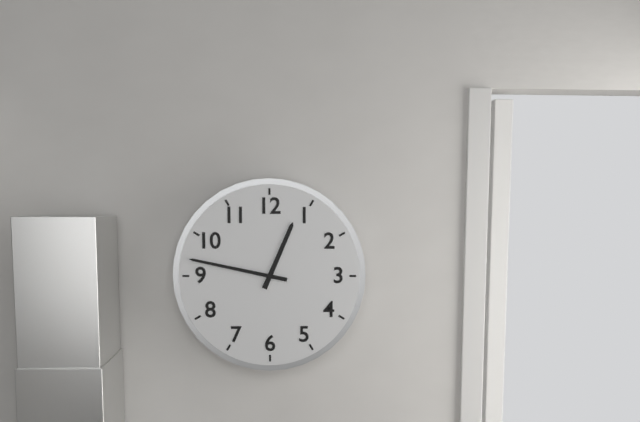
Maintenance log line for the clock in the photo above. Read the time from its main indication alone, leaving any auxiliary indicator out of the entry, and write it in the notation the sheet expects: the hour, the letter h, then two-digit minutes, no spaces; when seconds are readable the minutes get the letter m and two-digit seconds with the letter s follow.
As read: 12h47
